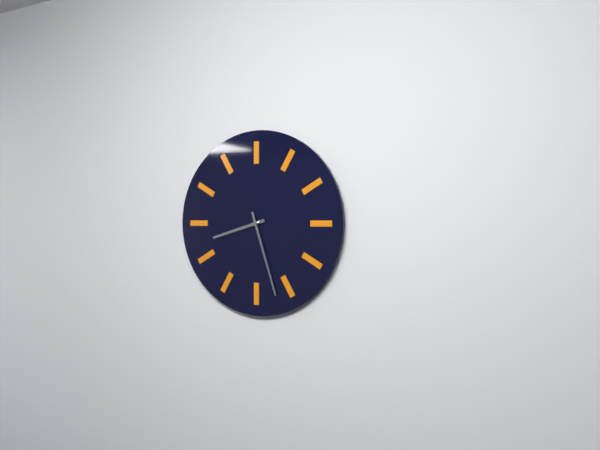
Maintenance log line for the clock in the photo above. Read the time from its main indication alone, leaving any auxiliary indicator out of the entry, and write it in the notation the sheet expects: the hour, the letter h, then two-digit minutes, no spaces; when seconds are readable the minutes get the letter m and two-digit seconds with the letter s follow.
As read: 8h27
